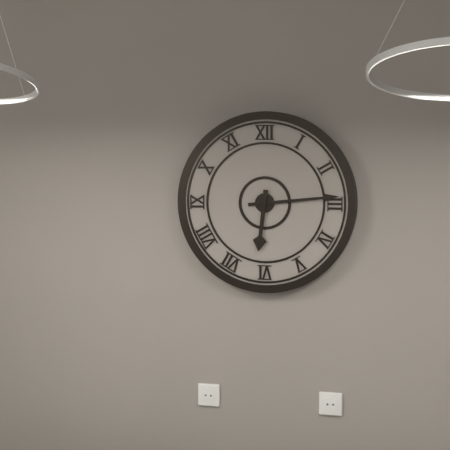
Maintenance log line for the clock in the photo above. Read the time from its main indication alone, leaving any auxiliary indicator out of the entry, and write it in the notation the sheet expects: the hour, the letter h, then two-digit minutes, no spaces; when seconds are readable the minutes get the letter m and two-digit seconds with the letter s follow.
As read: 6h14
